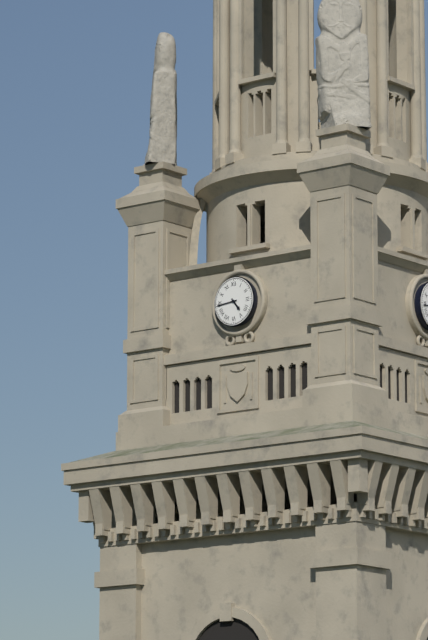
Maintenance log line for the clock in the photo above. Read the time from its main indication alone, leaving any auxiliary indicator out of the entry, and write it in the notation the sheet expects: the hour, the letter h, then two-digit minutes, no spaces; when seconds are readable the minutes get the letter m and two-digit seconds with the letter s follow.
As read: 4h44
